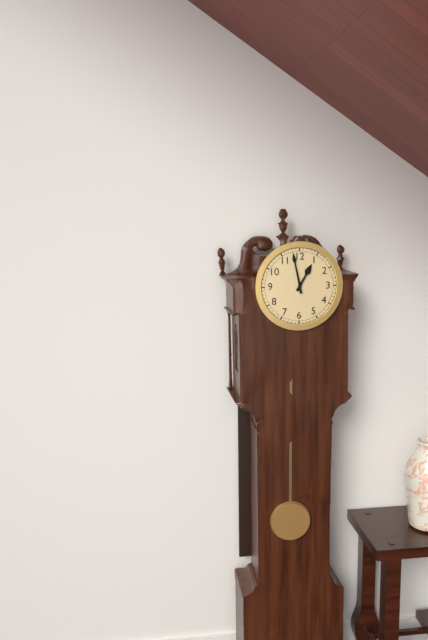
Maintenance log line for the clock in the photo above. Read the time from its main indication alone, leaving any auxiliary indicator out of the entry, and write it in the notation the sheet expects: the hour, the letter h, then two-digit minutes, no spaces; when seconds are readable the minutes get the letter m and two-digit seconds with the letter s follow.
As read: 12h58
